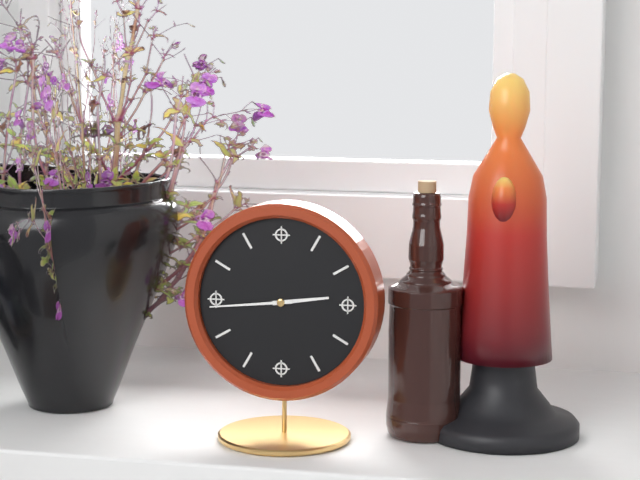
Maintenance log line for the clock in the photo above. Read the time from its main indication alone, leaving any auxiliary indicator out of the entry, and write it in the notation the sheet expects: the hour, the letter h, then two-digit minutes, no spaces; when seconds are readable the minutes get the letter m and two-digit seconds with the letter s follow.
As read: 2h44
